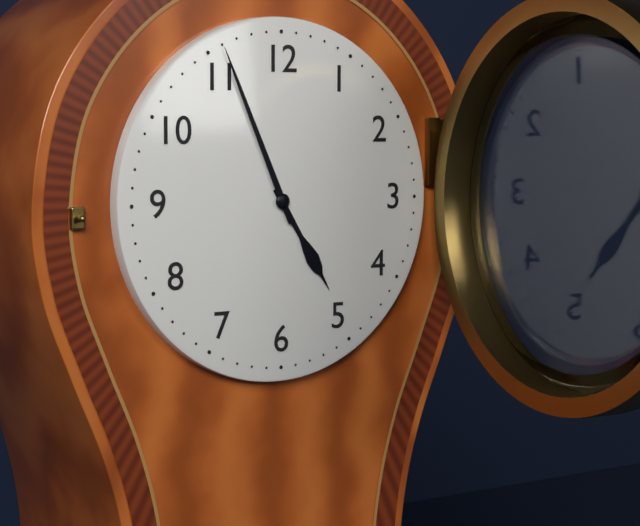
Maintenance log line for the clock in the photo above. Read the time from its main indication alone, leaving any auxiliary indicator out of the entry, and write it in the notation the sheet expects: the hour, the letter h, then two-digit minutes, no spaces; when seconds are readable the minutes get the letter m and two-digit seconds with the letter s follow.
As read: 4h56
